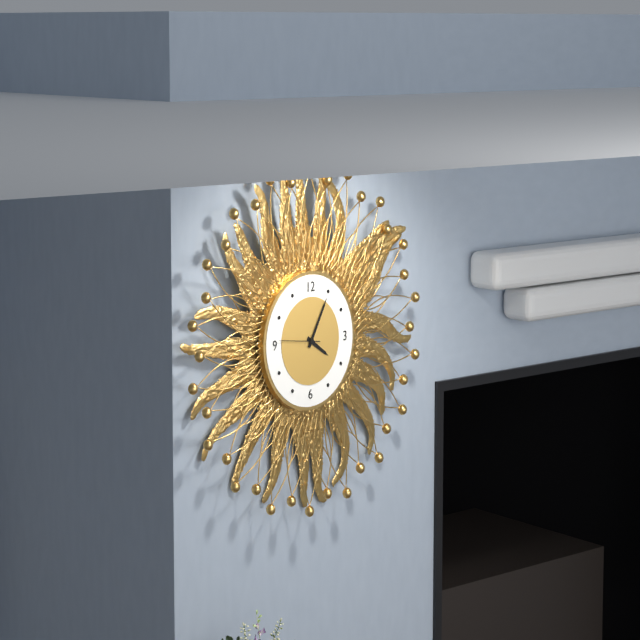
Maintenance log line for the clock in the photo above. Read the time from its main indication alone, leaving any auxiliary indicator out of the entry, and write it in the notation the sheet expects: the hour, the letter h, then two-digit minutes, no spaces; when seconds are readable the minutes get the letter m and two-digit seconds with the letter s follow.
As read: 4h05
